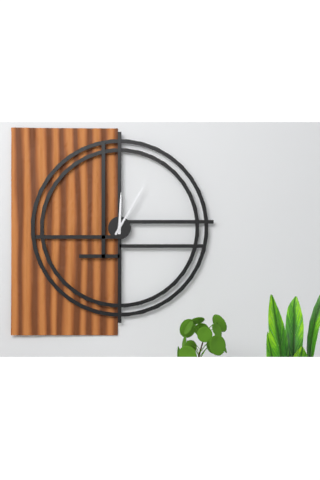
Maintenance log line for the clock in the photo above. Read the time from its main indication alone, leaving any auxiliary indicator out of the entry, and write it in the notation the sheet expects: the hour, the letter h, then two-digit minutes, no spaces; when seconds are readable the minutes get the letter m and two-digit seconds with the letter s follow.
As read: 12h05
